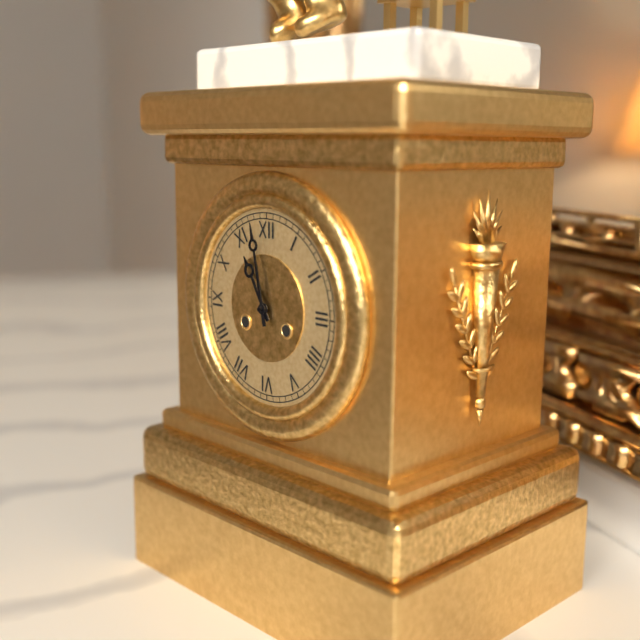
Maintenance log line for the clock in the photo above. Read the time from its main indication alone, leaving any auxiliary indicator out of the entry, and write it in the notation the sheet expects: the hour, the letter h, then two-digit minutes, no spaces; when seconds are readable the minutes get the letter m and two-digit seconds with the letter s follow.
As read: 10h58
